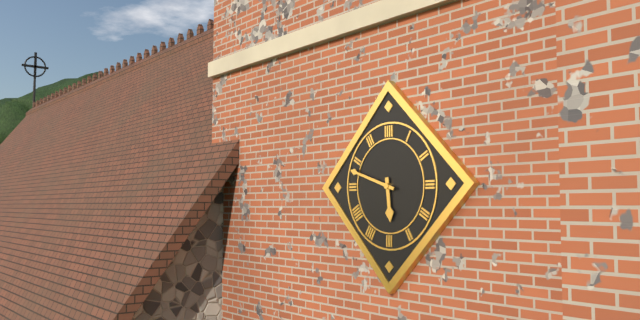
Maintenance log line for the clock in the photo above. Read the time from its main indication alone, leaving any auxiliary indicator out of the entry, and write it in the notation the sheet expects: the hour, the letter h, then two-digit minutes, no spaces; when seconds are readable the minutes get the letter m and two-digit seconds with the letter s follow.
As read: 5h48
